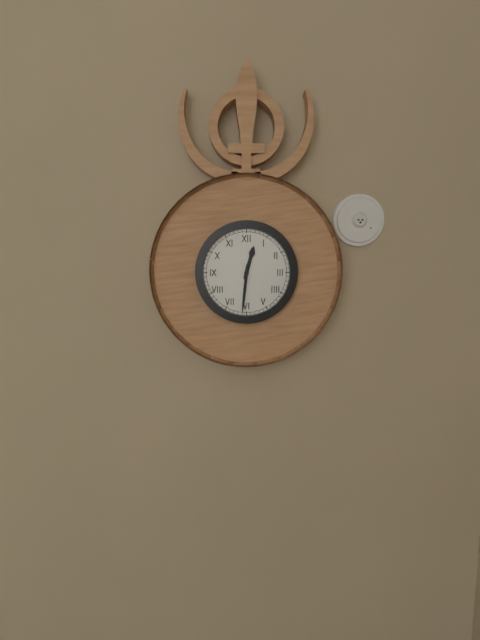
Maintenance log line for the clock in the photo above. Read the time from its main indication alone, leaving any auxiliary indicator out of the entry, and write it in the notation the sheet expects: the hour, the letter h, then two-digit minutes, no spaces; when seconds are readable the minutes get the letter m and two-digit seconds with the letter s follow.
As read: 12h31
